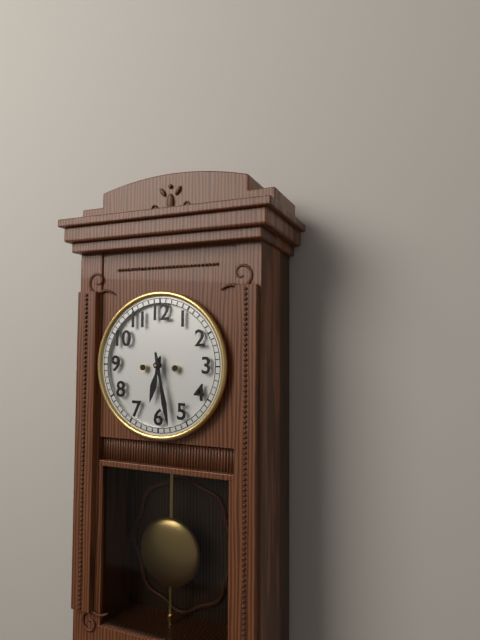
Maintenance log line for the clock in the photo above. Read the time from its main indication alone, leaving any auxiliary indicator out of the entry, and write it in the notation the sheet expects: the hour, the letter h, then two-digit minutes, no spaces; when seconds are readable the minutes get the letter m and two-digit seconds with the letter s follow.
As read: 6h28
